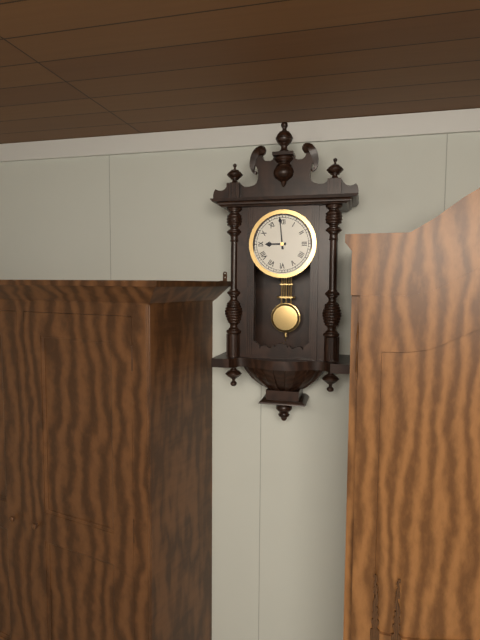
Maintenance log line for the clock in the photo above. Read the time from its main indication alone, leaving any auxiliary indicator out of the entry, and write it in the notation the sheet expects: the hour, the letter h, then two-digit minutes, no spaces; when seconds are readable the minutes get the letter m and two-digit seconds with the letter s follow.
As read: 8h59
